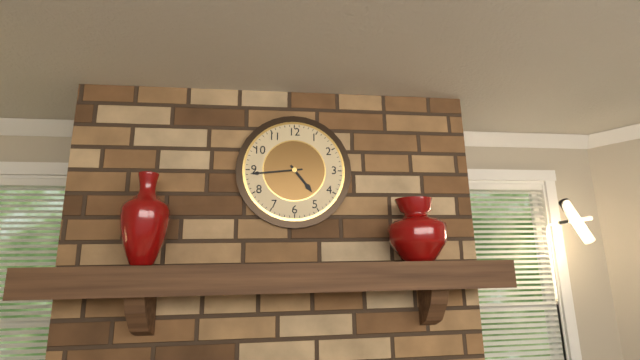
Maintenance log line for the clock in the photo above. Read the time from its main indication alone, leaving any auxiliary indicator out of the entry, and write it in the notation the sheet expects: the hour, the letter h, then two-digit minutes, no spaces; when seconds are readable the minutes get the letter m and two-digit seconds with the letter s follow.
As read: 4h44
